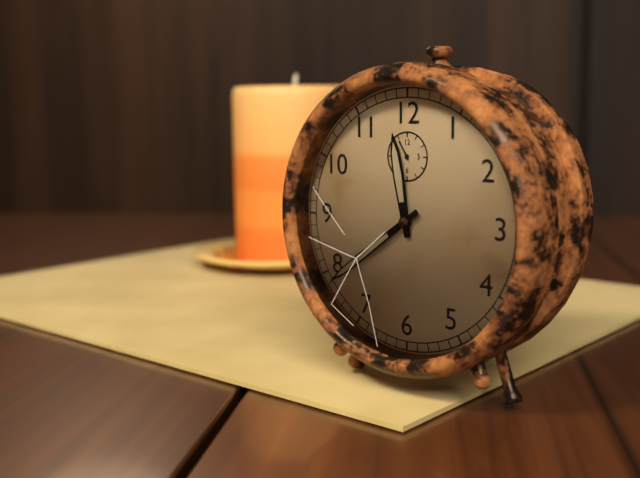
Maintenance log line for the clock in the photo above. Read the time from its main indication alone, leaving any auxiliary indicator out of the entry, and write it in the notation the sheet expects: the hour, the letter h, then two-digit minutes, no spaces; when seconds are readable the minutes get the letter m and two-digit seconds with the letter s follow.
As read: 11h39
